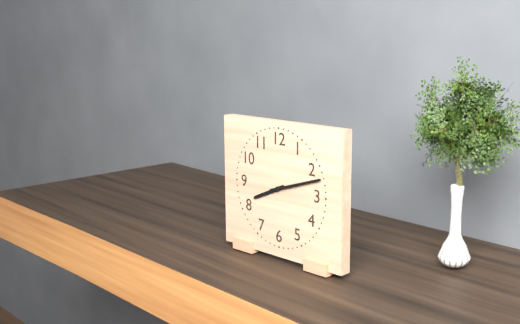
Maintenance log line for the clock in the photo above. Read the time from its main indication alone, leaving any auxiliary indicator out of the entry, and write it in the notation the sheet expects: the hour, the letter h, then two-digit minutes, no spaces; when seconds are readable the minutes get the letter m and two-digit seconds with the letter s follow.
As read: 8h12
